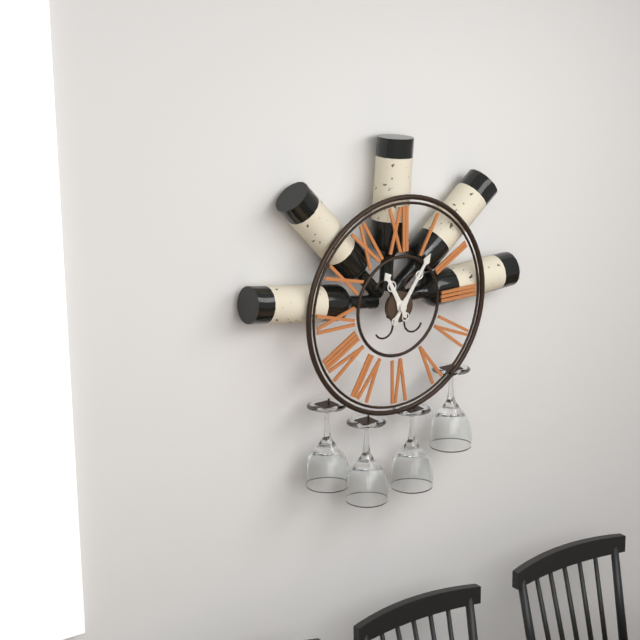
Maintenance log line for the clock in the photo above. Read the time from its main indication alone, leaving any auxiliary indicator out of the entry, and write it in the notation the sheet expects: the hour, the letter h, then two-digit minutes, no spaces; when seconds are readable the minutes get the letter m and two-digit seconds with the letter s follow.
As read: 11h06
